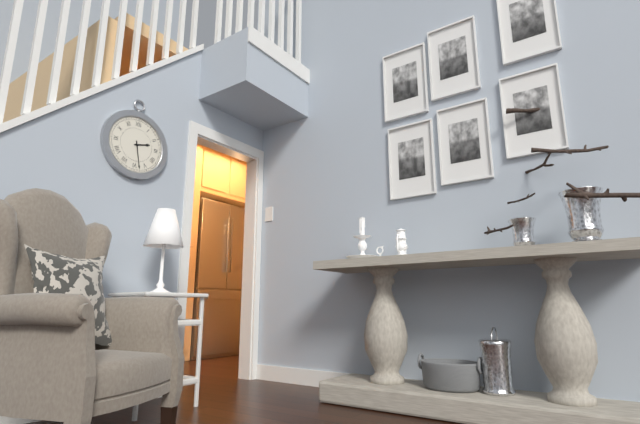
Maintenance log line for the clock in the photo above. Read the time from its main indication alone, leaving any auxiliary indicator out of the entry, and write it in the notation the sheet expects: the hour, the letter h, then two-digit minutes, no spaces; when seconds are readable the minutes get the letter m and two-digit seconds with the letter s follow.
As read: 2h28
